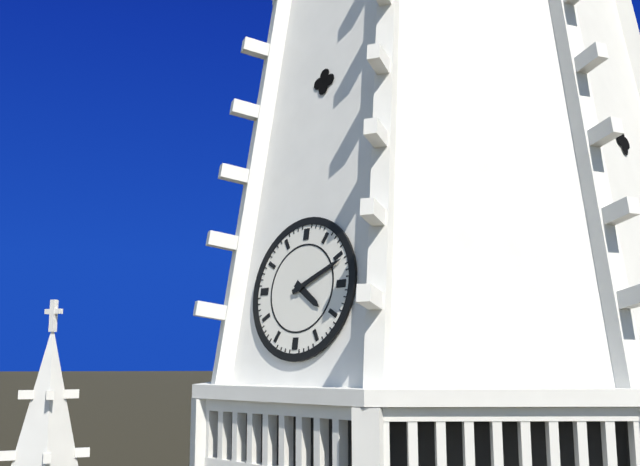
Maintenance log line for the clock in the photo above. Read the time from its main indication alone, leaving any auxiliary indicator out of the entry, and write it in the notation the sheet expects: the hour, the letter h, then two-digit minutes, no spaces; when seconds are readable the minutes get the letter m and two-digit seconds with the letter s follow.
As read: 4h11
